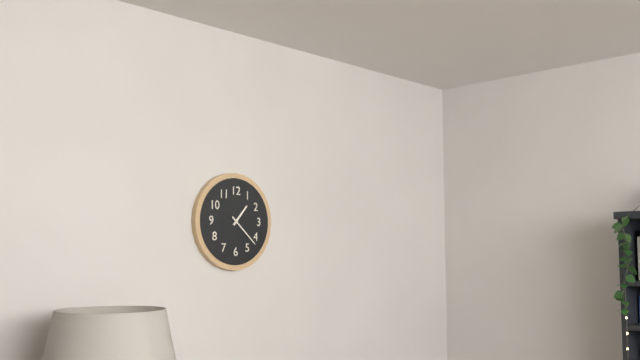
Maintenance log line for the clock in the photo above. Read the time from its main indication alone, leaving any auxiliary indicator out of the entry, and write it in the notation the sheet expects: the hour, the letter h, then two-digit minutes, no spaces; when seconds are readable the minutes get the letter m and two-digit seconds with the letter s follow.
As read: 1h22
